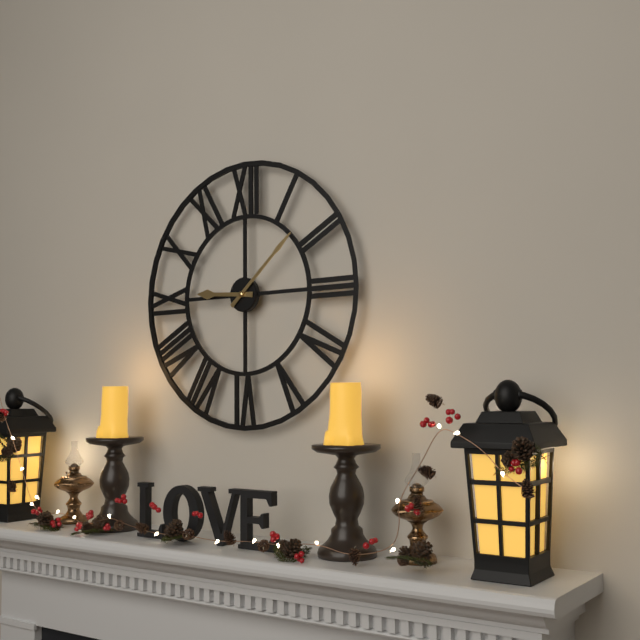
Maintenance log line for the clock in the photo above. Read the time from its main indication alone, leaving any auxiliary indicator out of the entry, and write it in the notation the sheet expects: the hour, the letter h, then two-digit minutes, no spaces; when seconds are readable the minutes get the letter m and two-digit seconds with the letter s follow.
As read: 9h08
